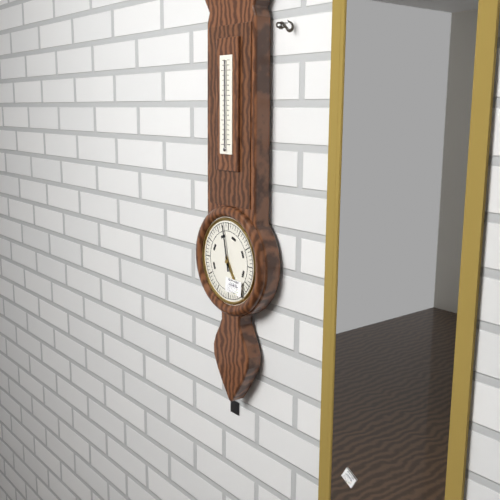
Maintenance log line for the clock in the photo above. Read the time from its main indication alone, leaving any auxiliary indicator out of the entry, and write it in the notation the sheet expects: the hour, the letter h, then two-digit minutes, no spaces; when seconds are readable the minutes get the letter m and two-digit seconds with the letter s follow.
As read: 4h58
